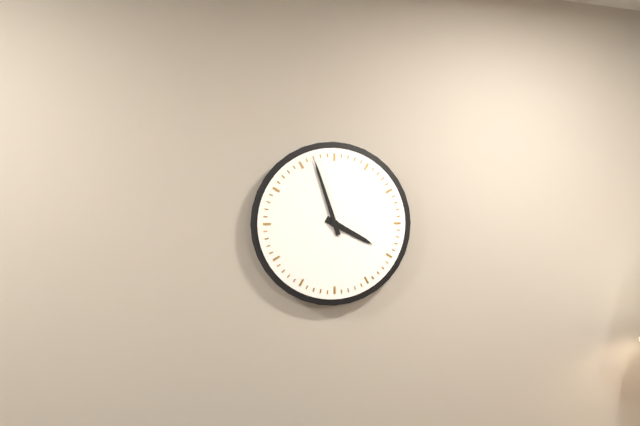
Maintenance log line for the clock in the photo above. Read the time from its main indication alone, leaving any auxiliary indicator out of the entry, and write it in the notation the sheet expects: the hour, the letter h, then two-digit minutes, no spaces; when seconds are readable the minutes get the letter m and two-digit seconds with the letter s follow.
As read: 3h57
